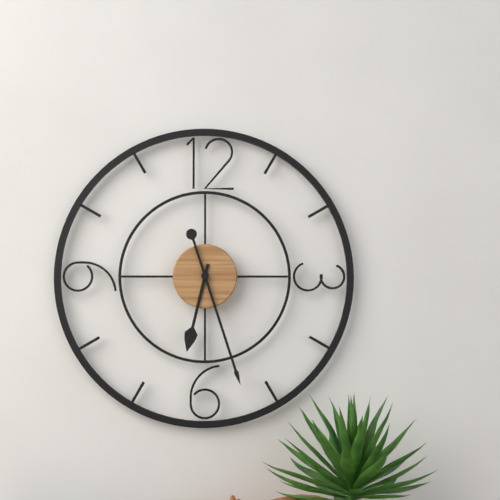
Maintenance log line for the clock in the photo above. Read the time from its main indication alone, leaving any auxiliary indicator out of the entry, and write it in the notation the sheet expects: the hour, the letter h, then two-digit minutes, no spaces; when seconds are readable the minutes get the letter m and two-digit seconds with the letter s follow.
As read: 6h27
